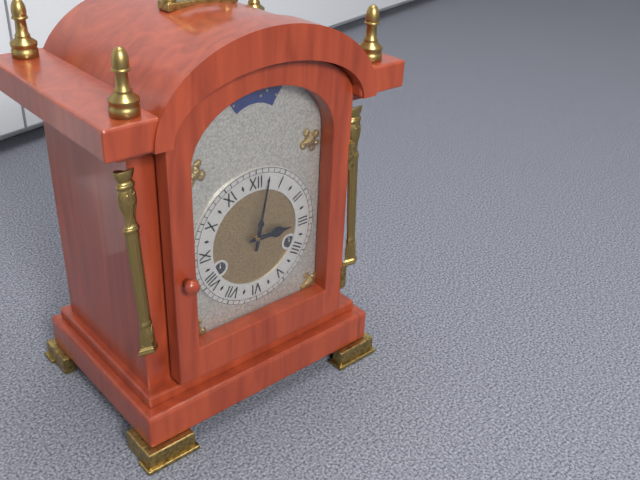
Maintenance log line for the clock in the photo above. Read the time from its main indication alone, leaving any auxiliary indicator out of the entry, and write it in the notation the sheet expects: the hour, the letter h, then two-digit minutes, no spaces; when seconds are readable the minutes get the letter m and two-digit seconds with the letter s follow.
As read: 3h02
